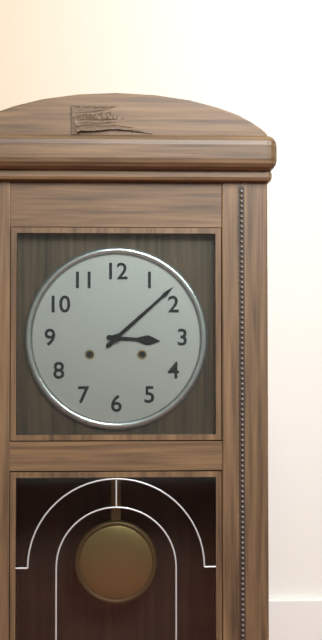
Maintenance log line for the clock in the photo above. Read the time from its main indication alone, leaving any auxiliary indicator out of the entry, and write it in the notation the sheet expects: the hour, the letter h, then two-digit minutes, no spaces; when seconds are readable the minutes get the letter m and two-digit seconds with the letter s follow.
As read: 3h08
